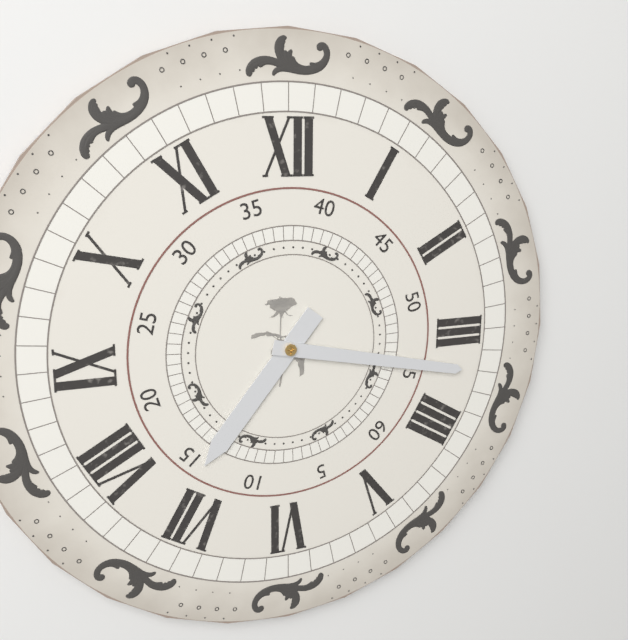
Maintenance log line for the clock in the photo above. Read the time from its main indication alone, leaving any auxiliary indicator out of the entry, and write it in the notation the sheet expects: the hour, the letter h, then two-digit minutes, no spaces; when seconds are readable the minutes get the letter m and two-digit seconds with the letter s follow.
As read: 7h17
